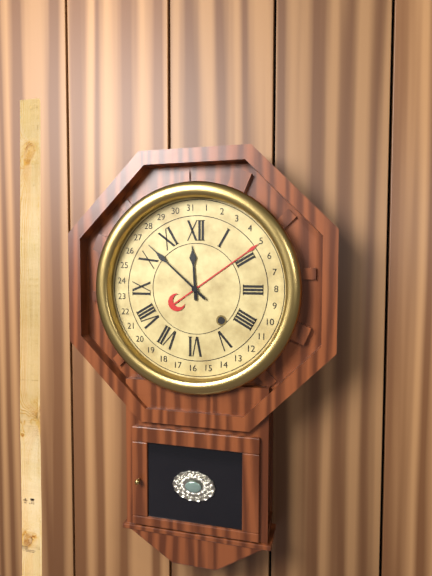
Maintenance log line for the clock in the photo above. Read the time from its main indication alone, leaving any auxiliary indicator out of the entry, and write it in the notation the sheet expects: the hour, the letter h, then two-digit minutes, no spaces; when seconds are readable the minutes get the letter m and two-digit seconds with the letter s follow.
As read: 11h52
